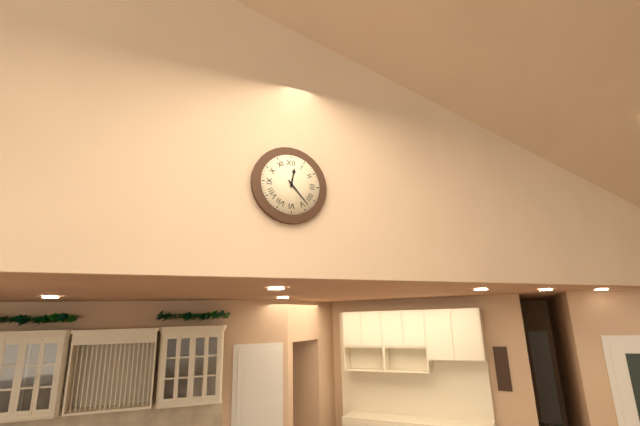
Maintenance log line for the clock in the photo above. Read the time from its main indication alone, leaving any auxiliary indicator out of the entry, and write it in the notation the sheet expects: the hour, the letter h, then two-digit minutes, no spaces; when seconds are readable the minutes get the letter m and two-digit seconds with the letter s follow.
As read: 12h23
